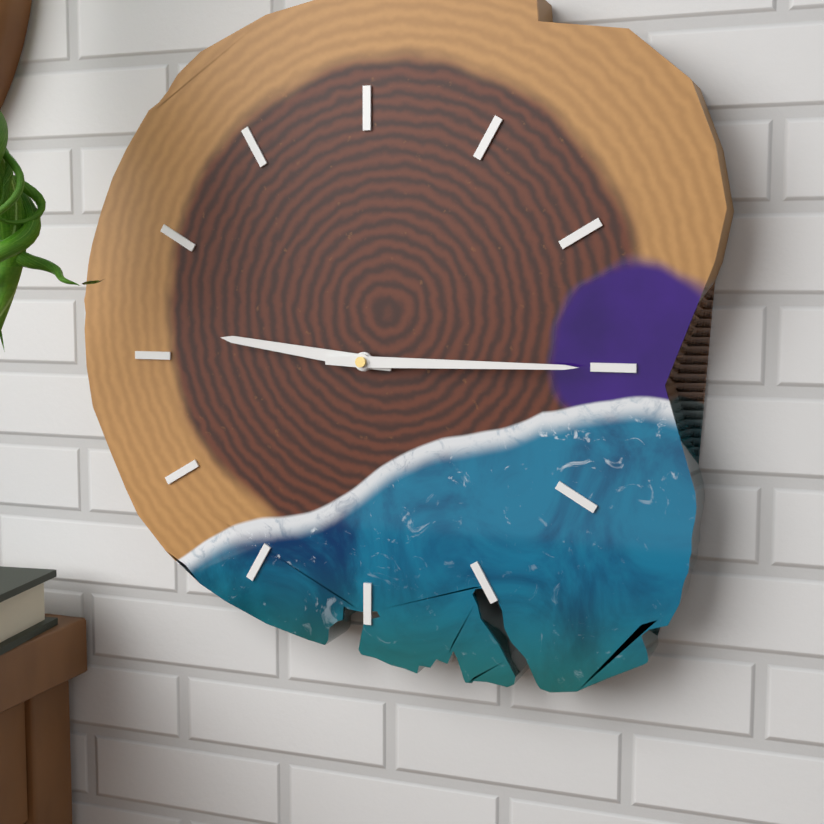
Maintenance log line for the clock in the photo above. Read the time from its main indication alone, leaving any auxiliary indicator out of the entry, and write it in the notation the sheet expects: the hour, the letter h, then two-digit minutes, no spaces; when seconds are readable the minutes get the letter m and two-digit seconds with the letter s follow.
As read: 9h15
